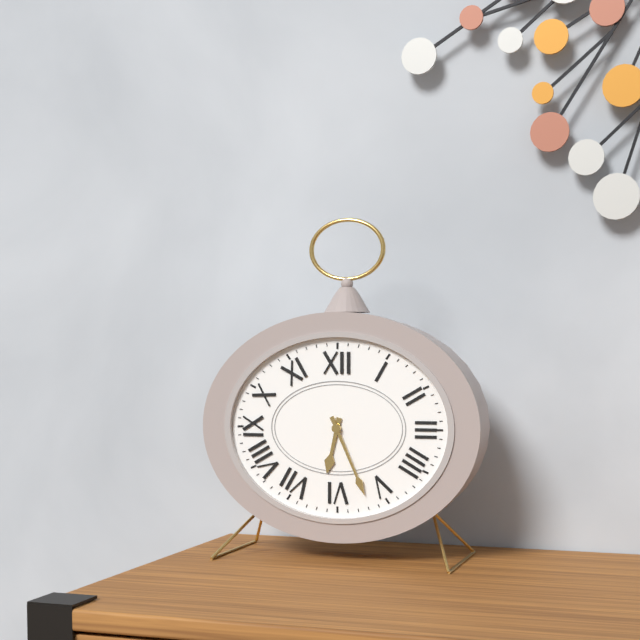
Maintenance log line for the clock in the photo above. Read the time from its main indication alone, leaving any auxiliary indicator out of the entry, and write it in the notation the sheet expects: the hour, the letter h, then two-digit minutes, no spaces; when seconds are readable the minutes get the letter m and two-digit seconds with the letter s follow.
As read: 6h26
